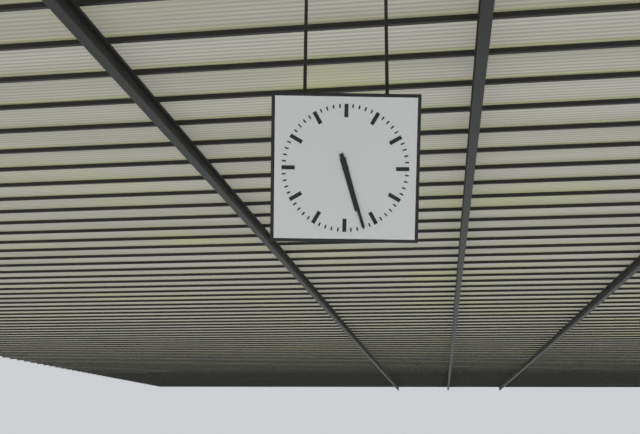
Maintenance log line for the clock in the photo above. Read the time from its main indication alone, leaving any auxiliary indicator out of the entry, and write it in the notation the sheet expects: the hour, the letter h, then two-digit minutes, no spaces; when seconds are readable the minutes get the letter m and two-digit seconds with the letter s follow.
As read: 5h27
